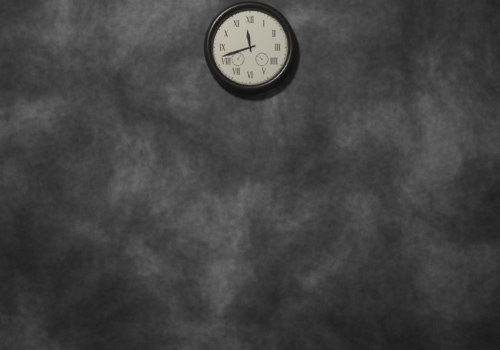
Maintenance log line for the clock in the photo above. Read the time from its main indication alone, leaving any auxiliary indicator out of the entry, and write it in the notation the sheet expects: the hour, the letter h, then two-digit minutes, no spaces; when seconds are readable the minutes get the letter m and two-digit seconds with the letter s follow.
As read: 11h42
